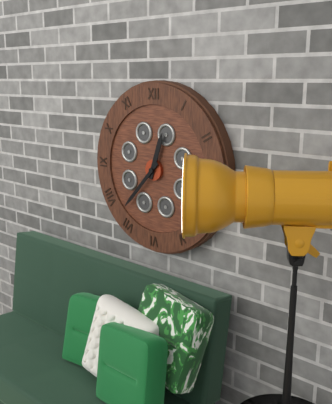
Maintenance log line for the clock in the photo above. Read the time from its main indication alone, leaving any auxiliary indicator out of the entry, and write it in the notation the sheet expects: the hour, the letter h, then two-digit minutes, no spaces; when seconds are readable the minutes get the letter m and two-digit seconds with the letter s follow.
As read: 12h37
